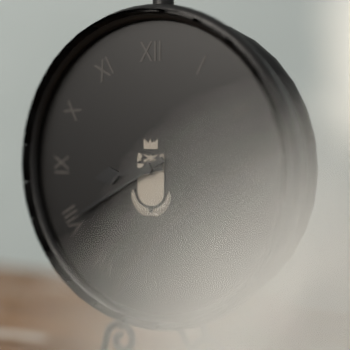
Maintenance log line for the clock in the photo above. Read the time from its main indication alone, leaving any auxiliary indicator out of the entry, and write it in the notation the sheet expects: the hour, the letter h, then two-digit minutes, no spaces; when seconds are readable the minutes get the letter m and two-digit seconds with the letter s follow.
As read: 8h40
